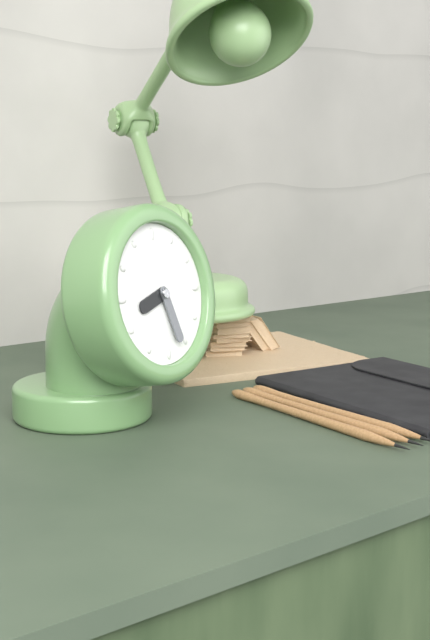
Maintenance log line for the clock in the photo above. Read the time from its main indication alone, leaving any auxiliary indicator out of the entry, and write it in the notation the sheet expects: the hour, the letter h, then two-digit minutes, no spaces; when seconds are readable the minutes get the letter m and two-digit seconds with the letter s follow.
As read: 8h27
